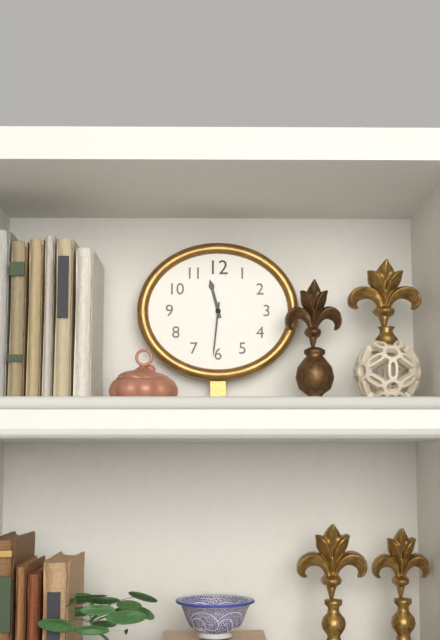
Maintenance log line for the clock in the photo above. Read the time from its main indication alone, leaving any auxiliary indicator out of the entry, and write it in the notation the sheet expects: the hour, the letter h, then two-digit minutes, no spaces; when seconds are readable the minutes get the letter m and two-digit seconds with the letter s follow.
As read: 11h31
